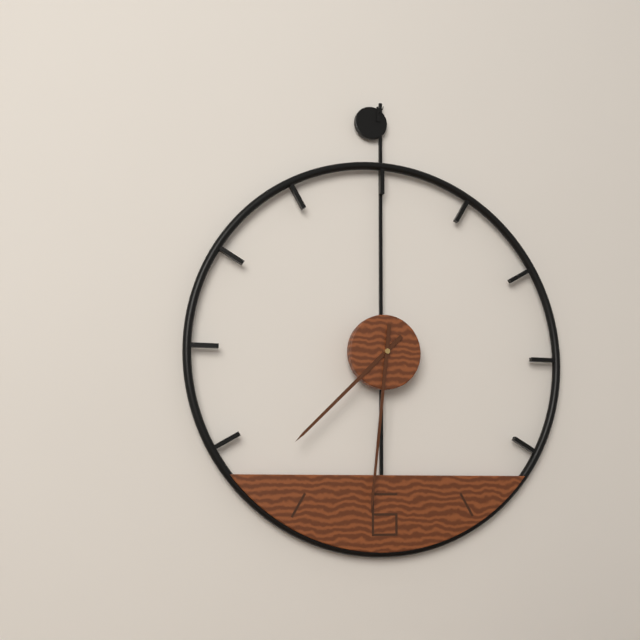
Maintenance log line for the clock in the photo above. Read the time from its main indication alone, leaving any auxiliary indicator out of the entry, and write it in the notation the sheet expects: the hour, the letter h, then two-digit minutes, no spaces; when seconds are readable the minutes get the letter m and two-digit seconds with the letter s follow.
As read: 7h31
